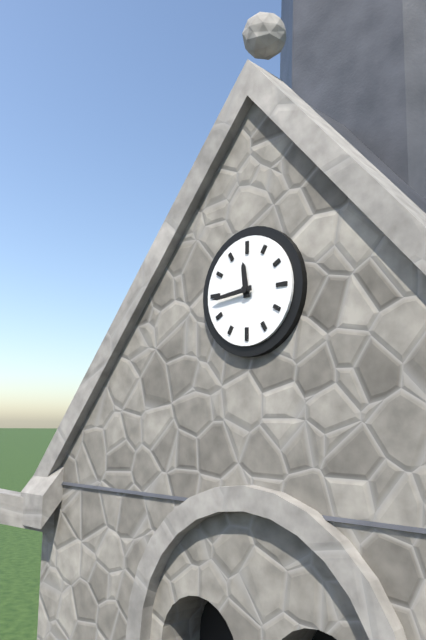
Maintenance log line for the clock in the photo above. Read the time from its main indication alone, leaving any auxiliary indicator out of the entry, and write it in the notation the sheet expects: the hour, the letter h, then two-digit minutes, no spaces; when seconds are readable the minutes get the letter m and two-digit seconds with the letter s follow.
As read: 11h44
